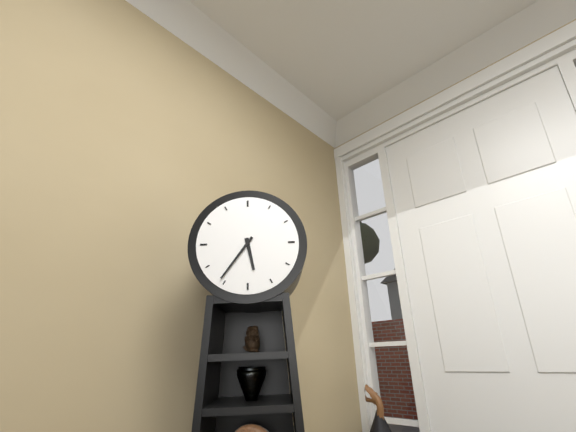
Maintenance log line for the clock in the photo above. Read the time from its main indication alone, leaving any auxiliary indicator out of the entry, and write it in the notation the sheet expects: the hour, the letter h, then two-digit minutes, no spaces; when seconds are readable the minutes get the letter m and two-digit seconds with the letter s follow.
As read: 5h36
